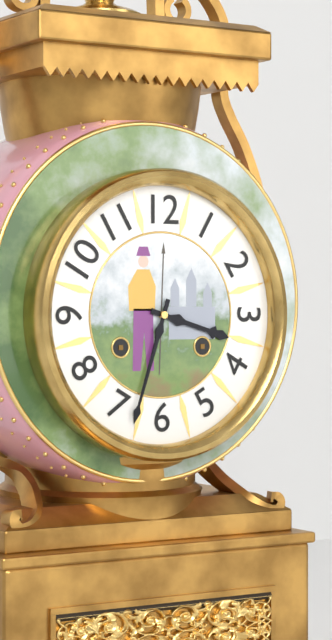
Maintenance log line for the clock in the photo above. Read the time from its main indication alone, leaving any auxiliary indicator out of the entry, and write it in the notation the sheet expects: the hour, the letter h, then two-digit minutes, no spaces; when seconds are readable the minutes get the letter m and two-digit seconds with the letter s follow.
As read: 3h33
